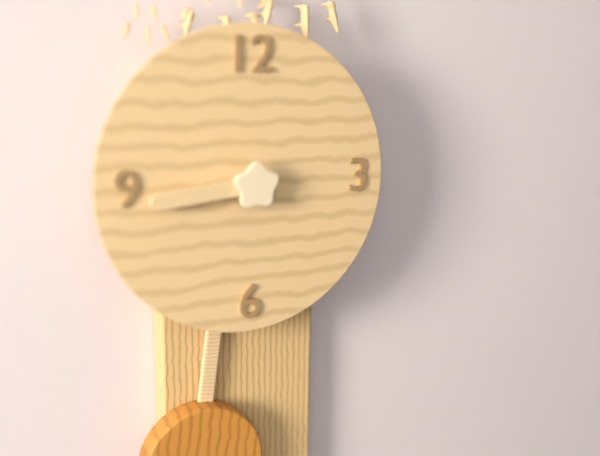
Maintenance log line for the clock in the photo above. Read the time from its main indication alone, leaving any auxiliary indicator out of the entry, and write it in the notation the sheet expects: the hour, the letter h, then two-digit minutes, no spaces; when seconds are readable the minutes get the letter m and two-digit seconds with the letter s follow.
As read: 8h44
